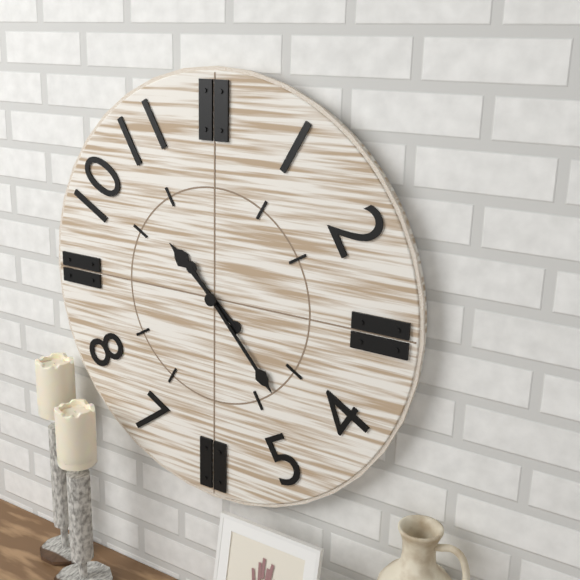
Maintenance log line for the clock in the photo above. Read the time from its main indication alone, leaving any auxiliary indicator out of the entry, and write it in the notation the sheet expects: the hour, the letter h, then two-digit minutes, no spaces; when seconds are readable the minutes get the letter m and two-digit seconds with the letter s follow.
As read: 10h23
